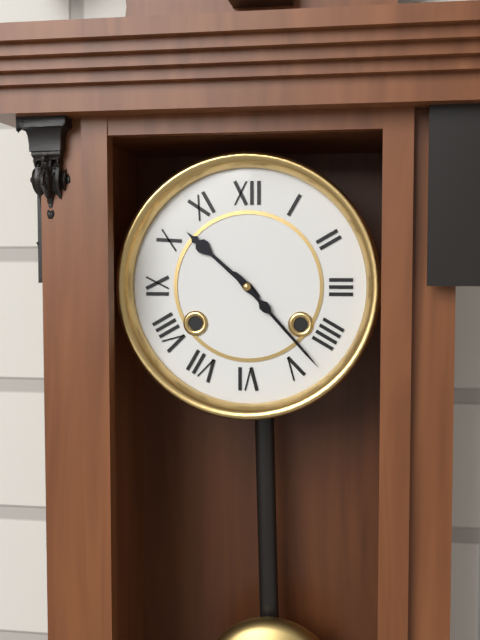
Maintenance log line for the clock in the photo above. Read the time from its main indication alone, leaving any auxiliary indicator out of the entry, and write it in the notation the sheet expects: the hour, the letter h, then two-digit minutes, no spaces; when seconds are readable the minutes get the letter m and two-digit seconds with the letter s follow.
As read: 10h23
